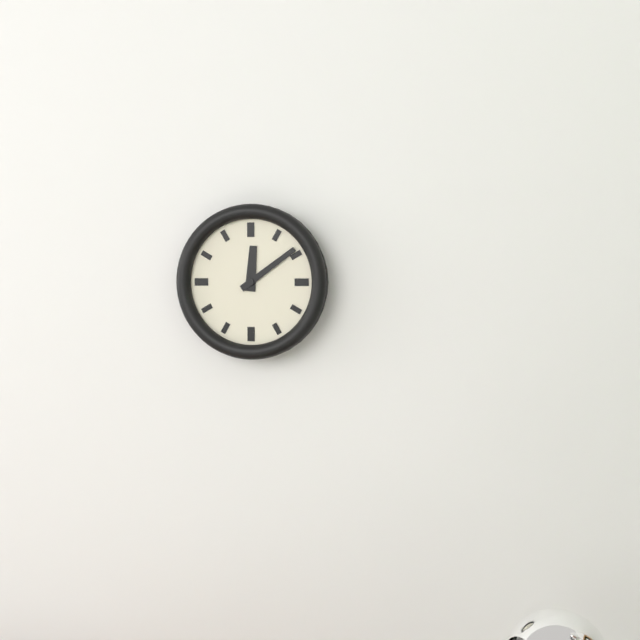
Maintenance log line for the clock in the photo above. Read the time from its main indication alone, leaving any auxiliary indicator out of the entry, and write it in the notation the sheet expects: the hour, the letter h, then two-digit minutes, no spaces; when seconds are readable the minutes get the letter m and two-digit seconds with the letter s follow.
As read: 12h09
